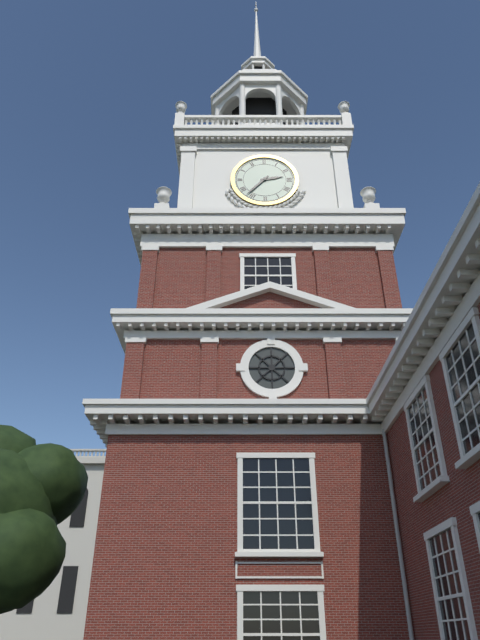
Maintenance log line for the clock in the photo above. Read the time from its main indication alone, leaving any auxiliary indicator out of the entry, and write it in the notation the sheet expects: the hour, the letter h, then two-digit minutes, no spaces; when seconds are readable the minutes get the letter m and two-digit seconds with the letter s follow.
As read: 2h37
